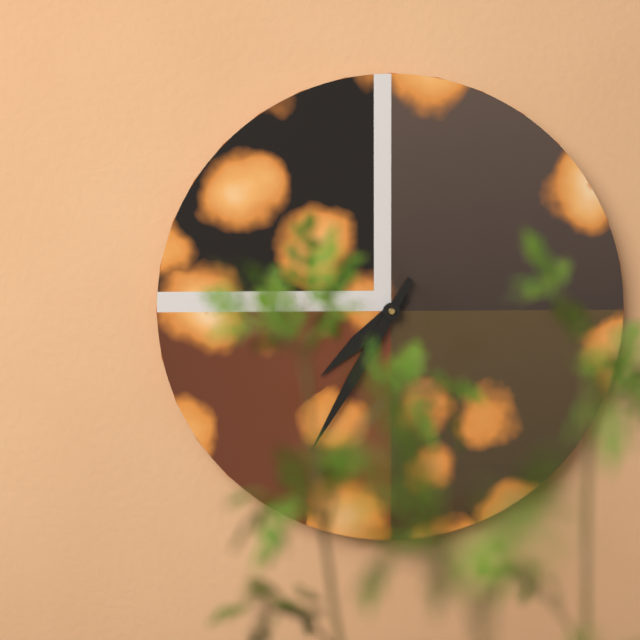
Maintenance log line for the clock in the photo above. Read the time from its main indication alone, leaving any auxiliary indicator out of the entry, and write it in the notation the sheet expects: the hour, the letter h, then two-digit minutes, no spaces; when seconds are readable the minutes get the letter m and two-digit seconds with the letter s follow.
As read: 7h35
